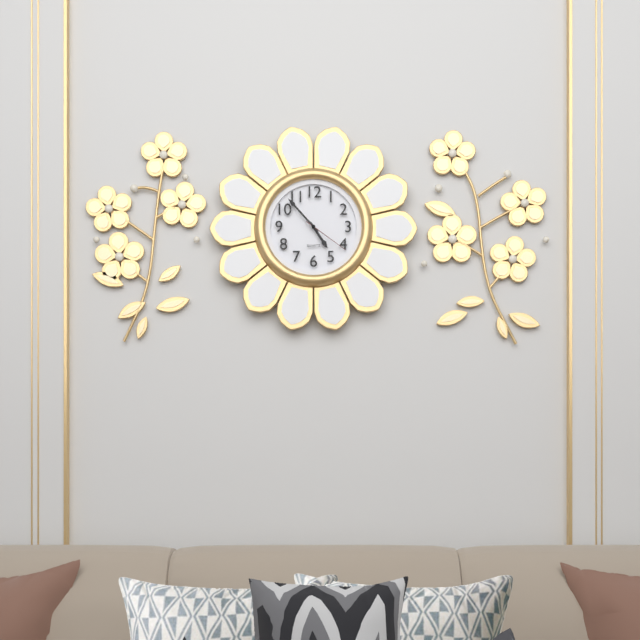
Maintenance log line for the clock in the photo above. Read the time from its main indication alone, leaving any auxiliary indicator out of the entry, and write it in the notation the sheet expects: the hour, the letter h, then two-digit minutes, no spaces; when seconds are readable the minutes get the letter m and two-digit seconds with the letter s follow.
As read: 4h53
